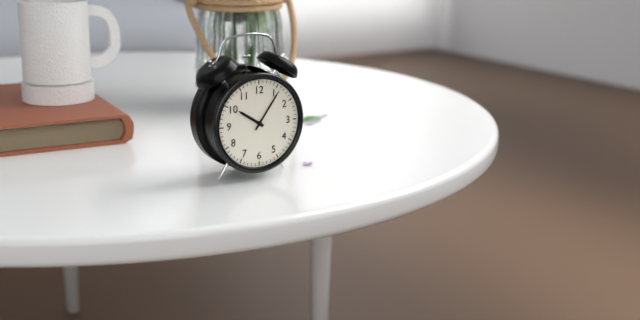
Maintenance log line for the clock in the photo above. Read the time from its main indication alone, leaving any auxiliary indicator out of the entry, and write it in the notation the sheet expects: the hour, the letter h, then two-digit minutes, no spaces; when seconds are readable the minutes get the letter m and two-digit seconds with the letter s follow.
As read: 10h06
